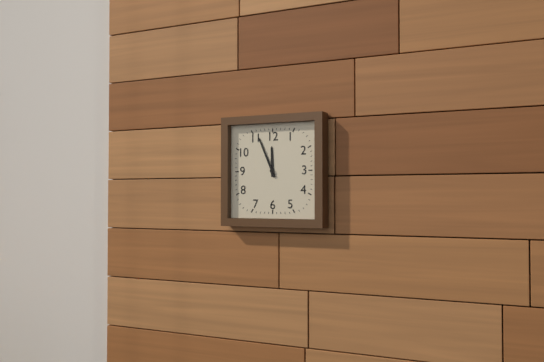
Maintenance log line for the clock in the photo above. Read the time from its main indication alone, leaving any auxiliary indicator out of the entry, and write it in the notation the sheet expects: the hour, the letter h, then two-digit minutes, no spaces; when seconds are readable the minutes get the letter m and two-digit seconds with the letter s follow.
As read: 11h56
